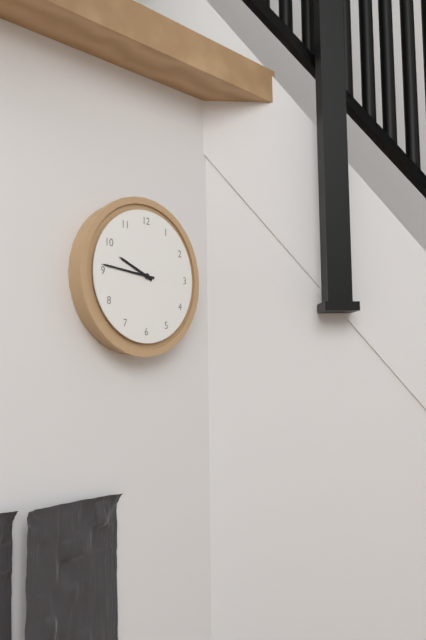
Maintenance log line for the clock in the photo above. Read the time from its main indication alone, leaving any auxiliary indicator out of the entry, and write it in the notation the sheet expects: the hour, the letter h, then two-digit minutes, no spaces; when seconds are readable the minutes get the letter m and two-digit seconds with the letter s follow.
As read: 9h46
